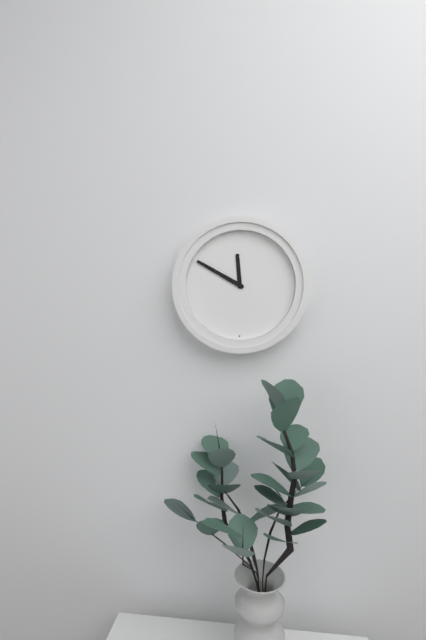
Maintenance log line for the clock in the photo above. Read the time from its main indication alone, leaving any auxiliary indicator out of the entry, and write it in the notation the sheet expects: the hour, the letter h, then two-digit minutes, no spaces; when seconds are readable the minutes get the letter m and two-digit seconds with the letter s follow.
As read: 11h50
